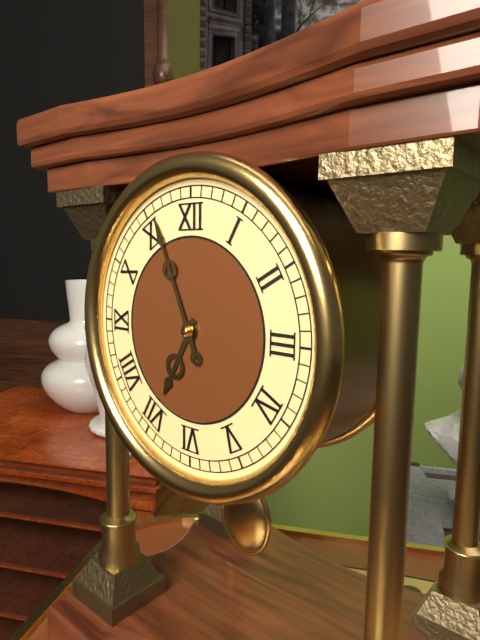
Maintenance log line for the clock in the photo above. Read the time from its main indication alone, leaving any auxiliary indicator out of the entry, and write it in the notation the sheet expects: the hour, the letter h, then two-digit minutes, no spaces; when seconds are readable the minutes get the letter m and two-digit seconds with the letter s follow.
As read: 6h56
